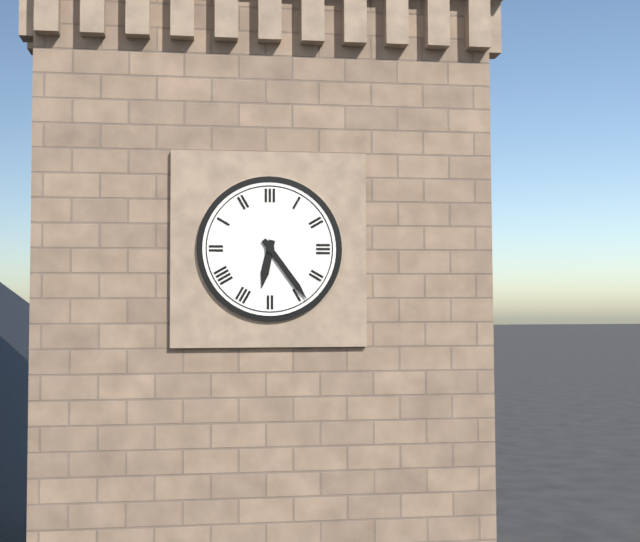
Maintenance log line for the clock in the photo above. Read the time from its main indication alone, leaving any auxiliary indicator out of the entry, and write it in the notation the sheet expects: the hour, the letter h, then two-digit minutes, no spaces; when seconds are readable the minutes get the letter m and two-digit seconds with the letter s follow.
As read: 6h24
